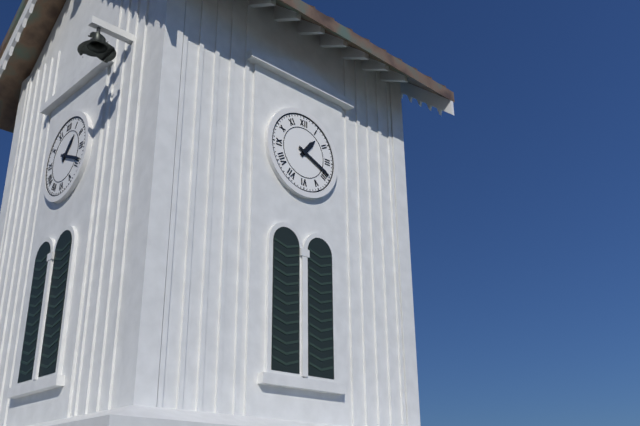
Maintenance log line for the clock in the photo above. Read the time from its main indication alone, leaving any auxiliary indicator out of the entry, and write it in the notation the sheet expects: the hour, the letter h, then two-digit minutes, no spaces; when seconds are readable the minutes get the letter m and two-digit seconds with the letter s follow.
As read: 1h19
